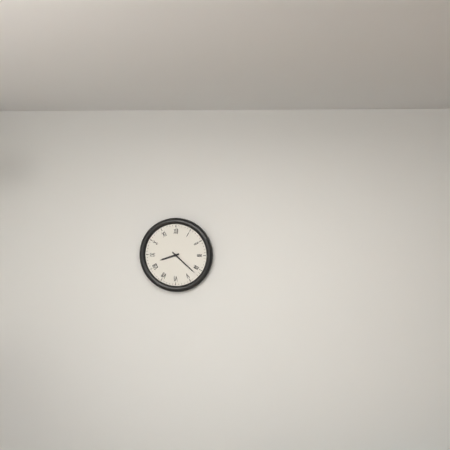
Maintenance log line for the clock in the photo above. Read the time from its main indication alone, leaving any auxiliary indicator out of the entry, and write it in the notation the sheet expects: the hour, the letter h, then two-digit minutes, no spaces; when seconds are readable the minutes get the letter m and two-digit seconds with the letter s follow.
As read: 8h22
